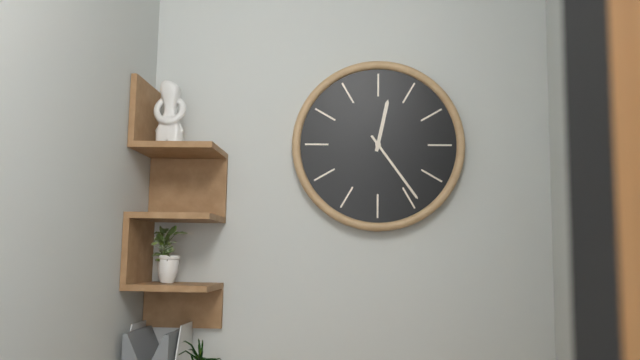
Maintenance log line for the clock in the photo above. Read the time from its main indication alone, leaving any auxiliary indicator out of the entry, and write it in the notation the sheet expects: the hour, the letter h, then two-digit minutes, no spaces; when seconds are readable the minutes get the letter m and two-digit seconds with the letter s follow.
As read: 12h24
